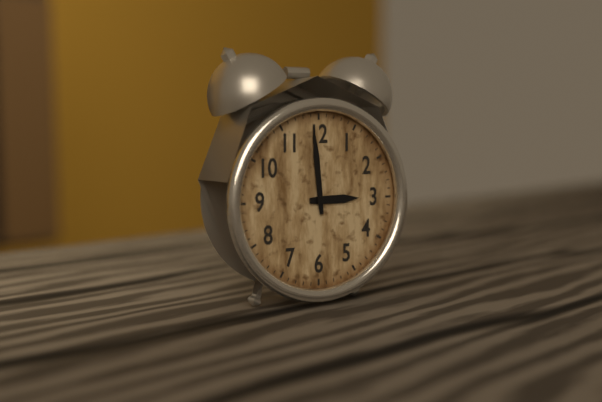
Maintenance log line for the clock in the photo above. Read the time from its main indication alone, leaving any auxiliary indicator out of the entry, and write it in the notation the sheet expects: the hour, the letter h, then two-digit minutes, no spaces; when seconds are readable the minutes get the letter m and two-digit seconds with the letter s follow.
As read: 2h59
